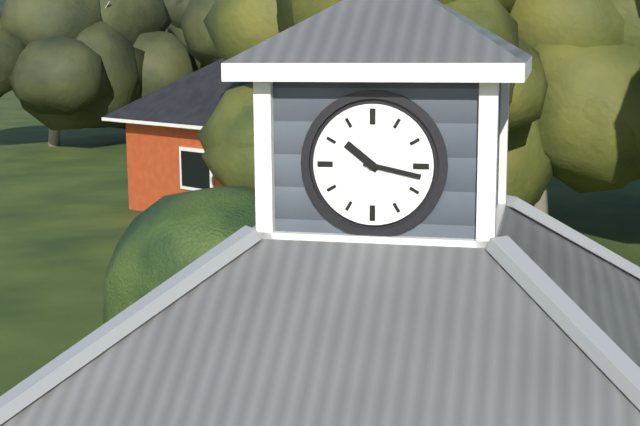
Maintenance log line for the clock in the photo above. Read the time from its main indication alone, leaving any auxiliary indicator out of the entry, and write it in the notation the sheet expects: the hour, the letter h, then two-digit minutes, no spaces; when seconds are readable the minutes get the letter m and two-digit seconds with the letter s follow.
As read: 10h17
